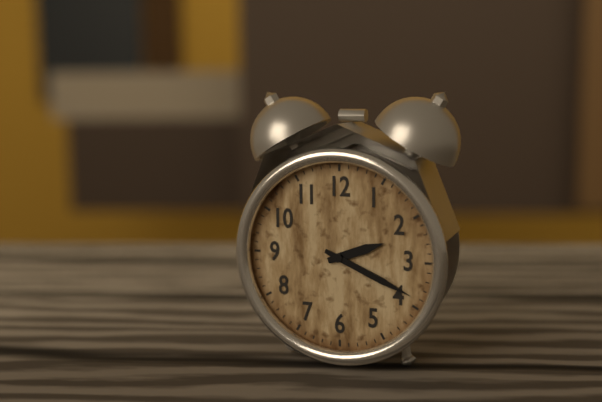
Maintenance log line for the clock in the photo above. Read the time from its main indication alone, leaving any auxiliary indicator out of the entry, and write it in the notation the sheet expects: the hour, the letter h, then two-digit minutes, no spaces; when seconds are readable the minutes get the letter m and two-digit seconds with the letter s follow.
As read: 2h19
